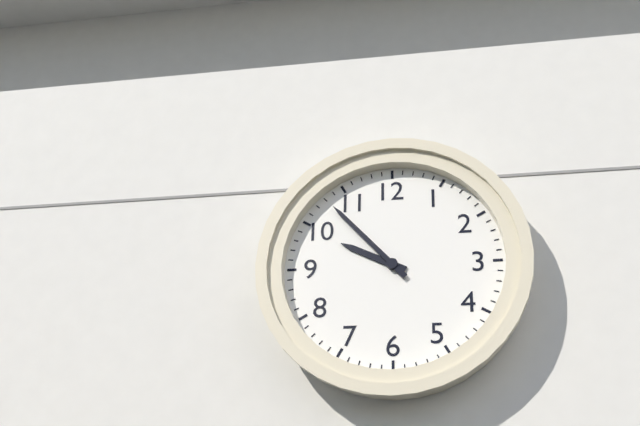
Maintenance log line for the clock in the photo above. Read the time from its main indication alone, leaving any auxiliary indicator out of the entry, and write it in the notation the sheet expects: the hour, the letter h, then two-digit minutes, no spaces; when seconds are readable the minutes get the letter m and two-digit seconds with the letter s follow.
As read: 9h53
